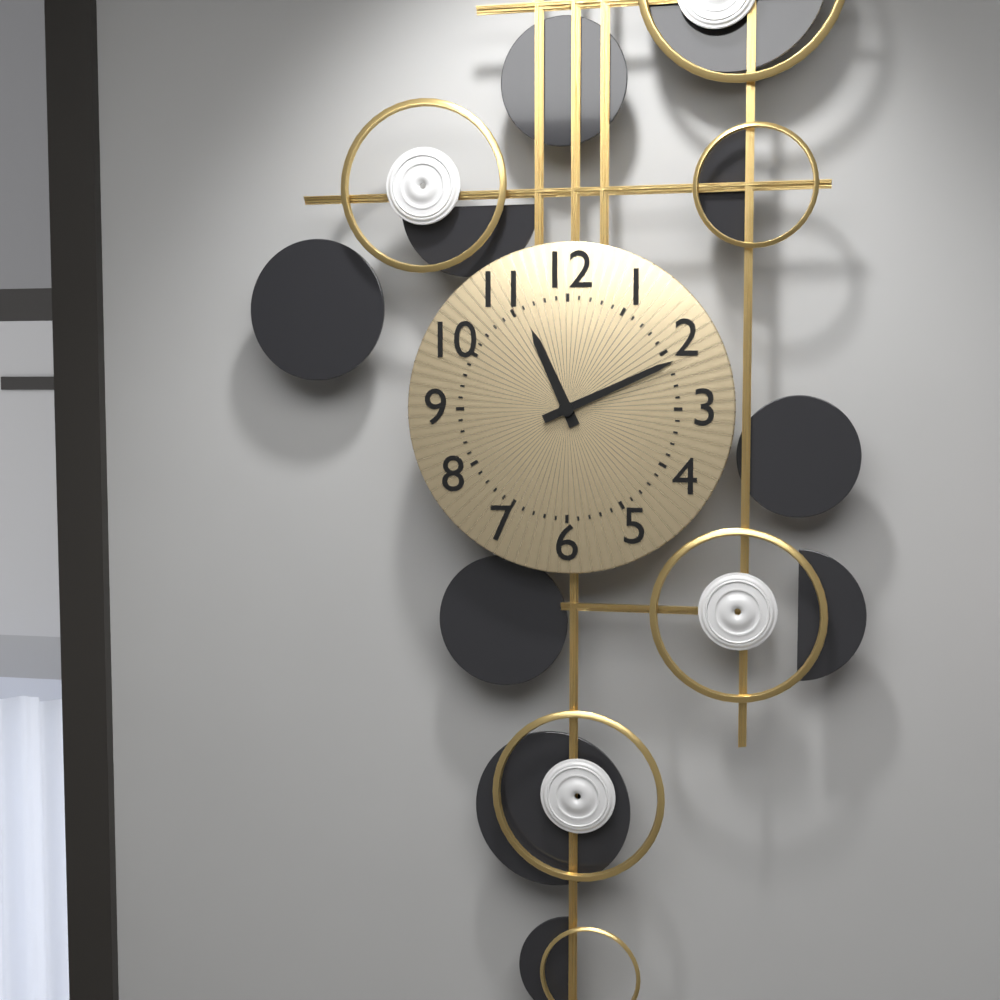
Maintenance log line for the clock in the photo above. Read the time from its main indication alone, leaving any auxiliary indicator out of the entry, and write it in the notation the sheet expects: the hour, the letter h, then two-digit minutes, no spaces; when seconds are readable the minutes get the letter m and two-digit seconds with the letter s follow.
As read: 11h11
